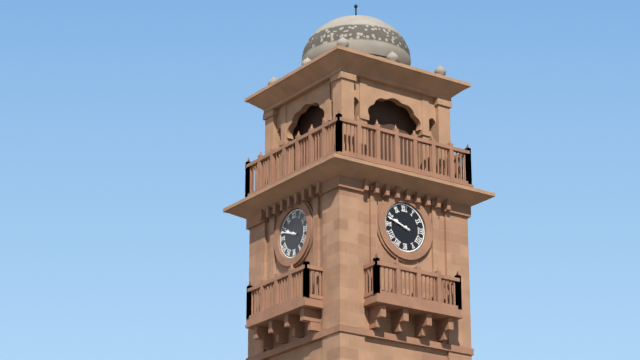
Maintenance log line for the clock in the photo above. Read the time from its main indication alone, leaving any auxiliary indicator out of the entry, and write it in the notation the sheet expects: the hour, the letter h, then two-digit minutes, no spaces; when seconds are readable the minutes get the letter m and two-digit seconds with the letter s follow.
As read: 9h48
